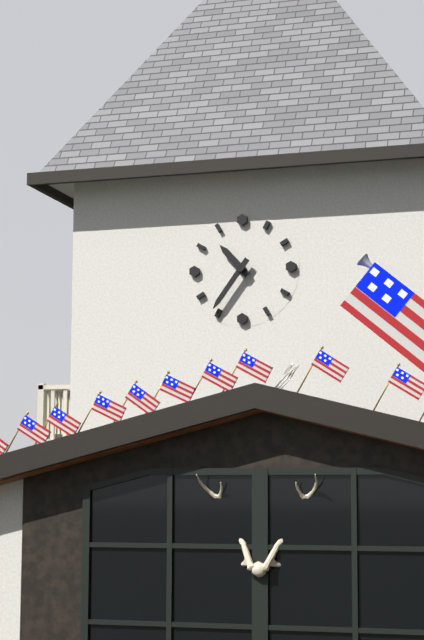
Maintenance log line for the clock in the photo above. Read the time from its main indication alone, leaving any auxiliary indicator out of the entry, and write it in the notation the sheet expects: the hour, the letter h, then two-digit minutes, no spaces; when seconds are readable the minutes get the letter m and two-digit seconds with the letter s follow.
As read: 10h36
